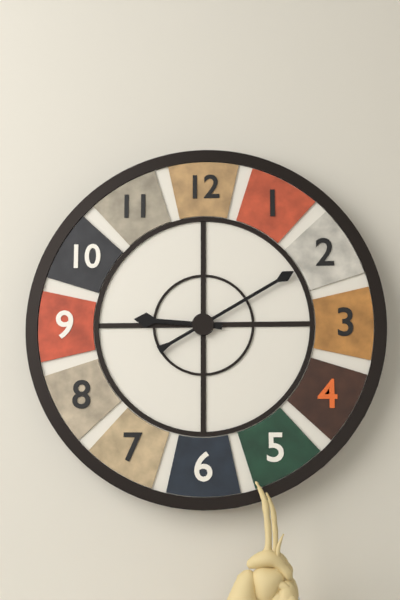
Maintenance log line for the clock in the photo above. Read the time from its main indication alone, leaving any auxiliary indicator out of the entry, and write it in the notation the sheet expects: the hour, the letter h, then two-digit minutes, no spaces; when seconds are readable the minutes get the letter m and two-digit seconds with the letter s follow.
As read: 9h10
